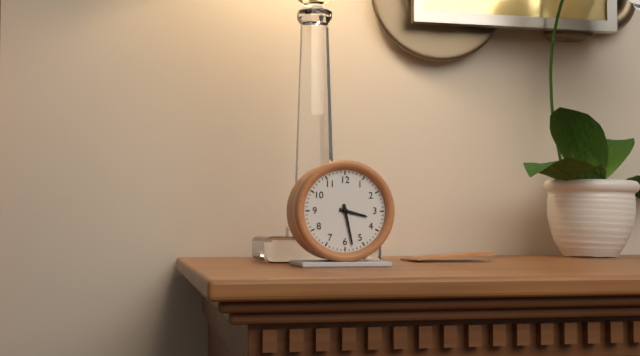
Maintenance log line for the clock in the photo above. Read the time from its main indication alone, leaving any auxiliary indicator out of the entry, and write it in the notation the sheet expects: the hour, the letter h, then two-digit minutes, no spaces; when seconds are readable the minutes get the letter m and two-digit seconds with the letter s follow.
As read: 3h28
